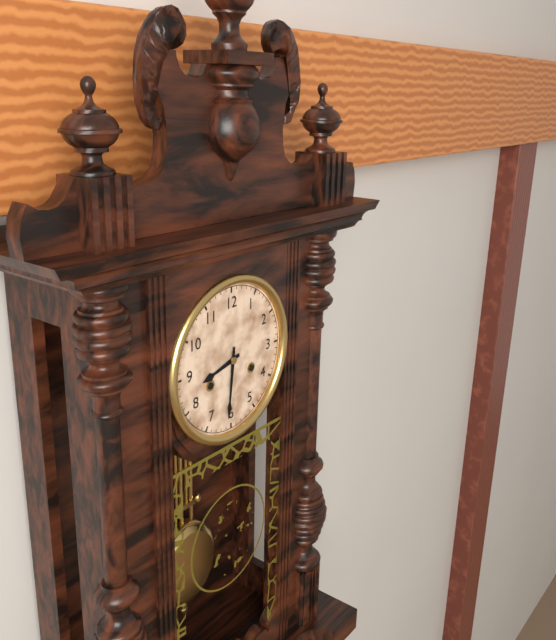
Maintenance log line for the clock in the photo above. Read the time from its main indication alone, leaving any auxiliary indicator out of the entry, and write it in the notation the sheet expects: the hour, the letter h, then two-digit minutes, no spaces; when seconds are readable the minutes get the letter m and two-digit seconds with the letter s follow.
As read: 8h31
